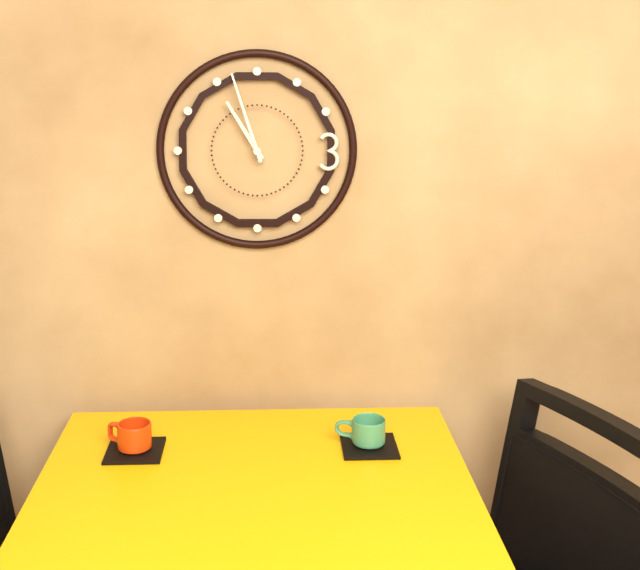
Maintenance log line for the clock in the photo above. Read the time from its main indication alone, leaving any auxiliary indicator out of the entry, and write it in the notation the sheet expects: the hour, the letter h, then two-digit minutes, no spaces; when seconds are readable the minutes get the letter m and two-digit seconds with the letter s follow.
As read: 10h57
